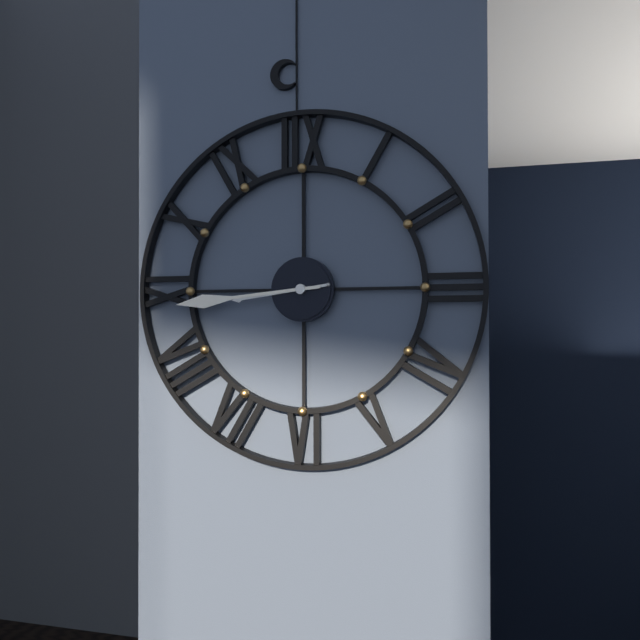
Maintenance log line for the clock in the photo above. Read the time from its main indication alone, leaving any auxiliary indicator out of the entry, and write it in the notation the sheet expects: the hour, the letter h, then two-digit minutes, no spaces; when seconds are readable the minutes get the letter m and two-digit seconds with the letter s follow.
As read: 8h44
